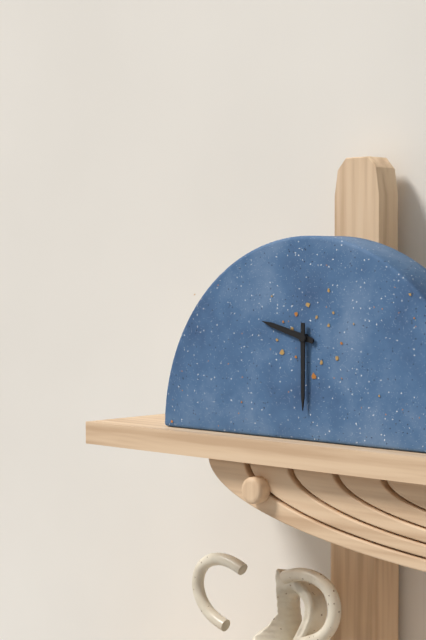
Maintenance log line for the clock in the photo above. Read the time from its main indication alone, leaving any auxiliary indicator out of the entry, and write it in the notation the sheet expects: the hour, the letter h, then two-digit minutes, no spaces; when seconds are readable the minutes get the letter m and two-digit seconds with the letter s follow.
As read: 9h30
